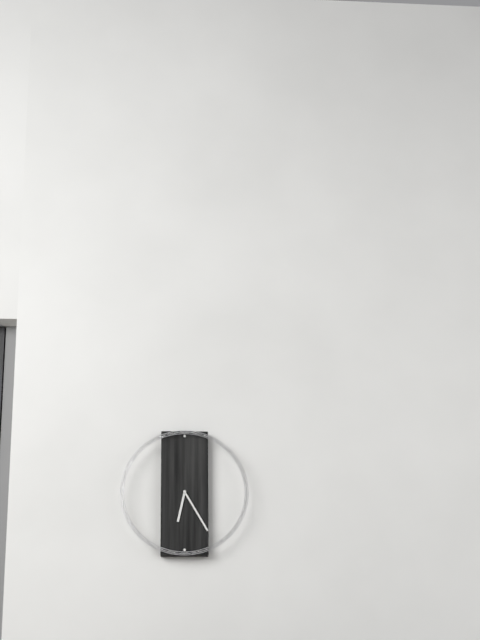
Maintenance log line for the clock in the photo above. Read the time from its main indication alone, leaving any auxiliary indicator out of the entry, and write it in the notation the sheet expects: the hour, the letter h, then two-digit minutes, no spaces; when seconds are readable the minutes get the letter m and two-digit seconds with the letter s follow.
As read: 6h25
